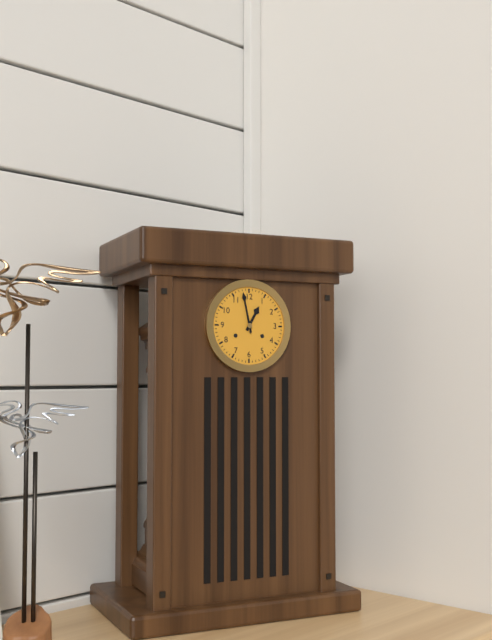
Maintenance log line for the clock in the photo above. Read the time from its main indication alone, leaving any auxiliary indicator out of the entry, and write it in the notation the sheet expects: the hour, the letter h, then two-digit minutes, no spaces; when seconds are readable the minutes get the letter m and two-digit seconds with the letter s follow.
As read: 12h58
